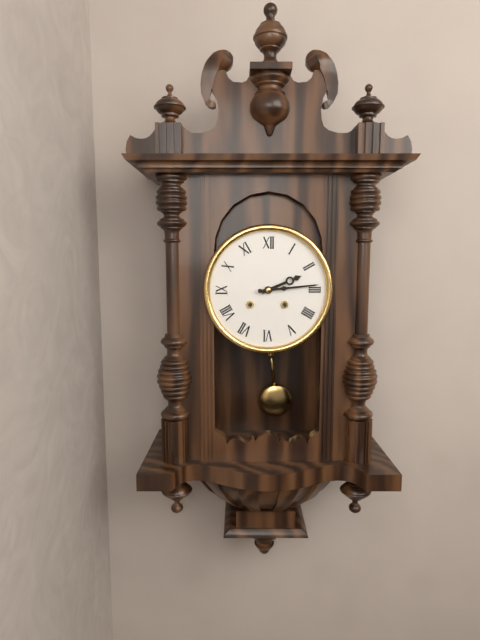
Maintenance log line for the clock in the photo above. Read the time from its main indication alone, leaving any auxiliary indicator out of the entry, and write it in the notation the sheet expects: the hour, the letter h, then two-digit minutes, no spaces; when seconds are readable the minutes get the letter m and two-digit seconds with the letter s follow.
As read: 2h14
